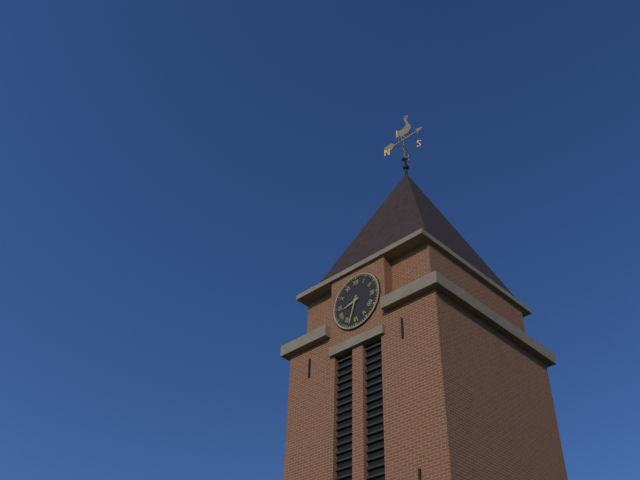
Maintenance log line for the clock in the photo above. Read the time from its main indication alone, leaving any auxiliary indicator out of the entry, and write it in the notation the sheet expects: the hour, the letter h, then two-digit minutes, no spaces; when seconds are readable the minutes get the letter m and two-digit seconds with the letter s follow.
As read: 8h33
